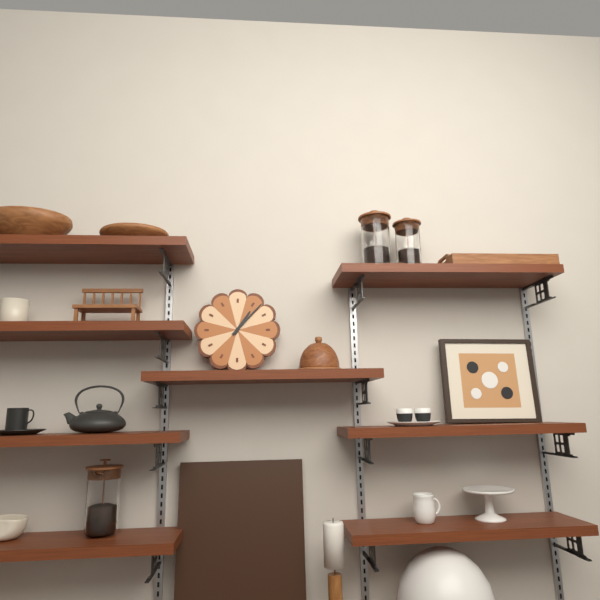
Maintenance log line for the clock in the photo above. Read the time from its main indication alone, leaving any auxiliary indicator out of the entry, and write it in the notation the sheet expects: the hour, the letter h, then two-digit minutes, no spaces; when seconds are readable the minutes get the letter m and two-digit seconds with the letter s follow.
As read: 1h07
